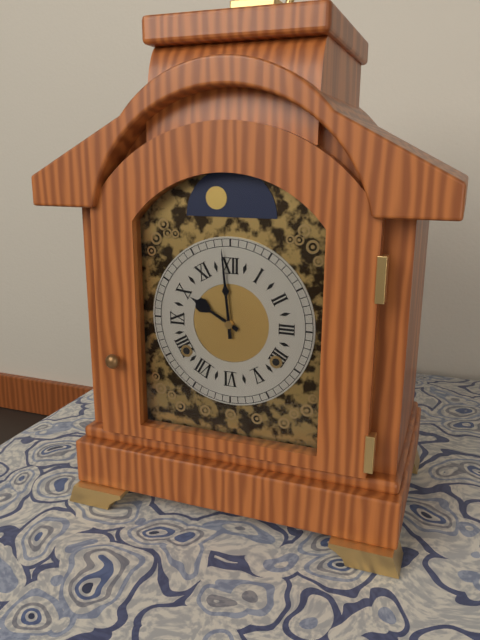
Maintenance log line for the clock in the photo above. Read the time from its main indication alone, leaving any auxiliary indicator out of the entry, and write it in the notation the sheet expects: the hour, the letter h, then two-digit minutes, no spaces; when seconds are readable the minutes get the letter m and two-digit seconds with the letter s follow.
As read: 9h59
